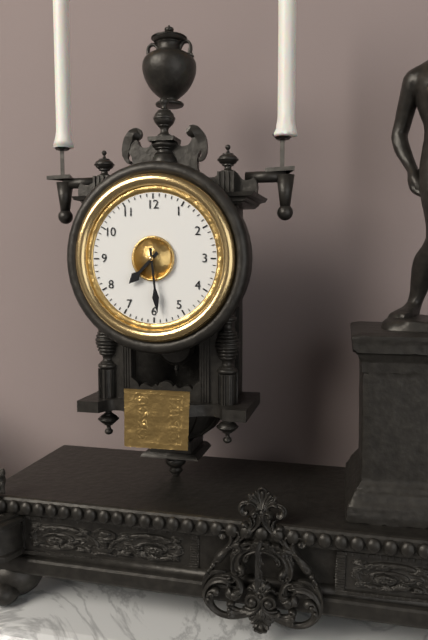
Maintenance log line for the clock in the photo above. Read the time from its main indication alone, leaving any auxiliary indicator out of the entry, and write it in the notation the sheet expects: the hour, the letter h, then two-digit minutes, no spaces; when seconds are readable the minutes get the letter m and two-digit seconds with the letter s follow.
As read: 7h29
